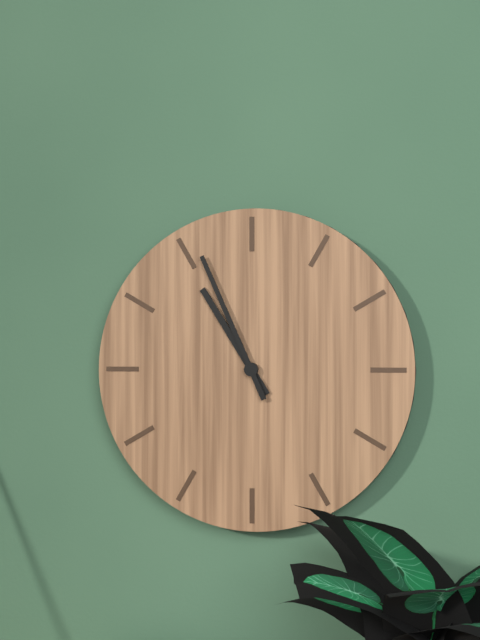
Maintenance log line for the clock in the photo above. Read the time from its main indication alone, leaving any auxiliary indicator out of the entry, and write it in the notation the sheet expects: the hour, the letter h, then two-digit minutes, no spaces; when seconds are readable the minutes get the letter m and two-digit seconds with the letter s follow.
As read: 10h56
